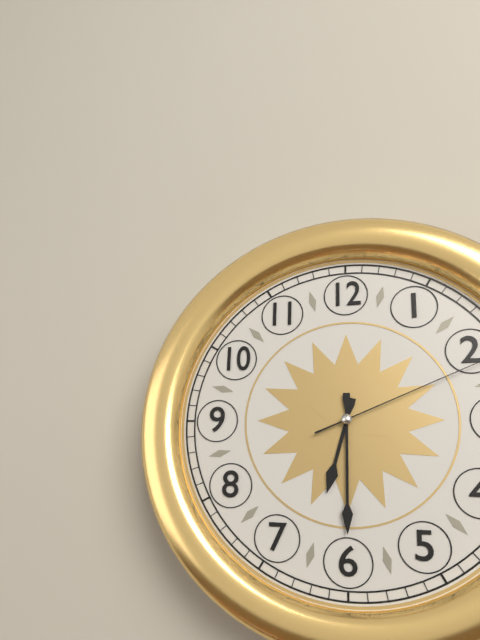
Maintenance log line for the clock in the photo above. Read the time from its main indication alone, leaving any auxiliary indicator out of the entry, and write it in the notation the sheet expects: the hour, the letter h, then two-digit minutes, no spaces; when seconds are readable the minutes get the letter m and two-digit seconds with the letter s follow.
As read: 6h30
